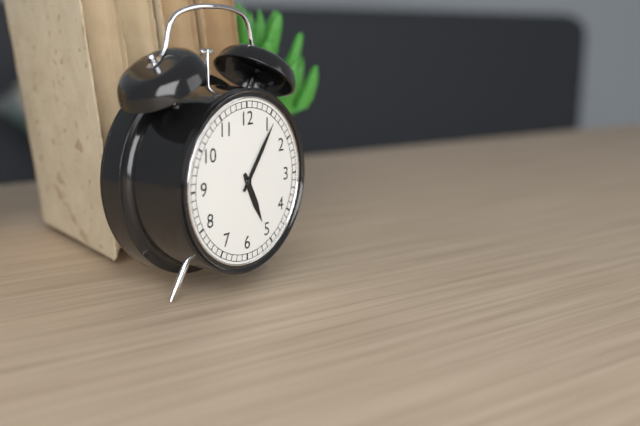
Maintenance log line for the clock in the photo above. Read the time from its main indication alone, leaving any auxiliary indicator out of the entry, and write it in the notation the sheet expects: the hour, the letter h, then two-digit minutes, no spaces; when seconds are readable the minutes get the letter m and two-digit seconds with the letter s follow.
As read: 5h06
